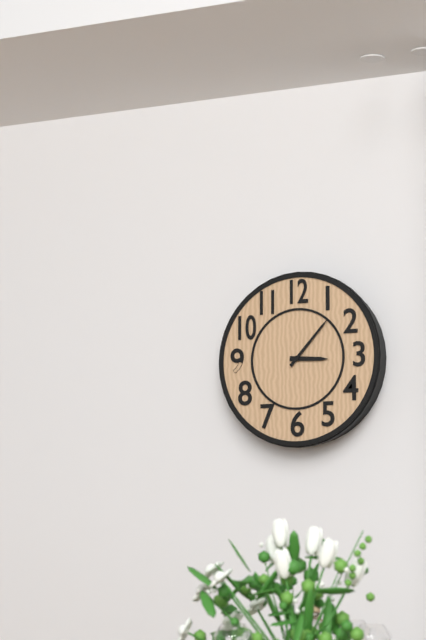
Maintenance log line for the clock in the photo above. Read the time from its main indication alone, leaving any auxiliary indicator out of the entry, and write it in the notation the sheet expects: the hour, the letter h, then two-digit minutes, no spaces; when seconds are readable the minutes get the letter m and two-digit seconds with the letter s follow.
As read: 3h07
